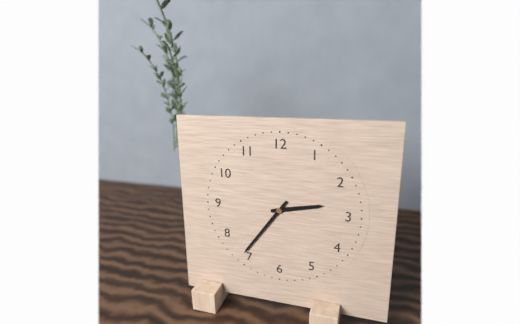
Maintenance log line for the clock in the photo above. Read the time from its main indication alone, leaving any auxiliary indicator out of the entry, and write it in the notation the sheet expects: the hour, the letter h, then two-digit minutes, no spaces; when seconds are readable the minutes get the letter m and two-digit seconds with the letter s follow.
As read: 2h36
